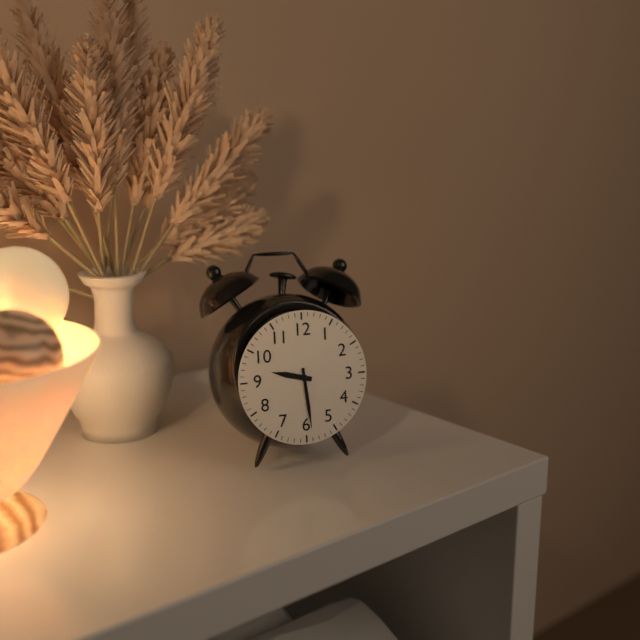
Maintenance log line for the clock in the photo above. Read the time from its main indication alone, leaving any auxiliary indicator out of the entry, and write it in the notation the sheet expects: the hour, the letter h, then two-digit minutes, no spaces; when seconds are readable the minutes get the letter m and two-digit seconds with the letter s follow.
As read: 9h29
